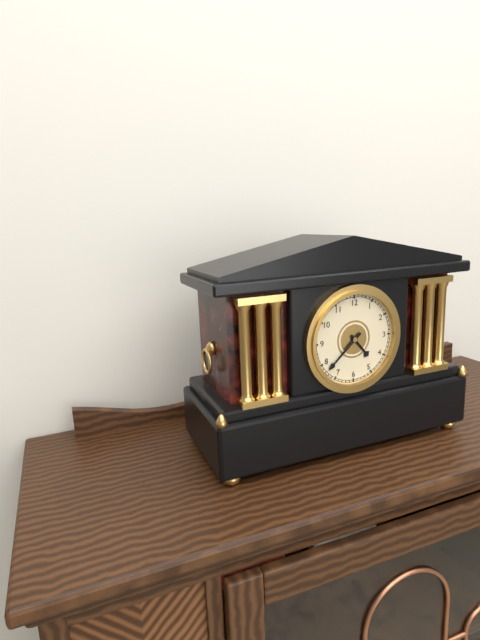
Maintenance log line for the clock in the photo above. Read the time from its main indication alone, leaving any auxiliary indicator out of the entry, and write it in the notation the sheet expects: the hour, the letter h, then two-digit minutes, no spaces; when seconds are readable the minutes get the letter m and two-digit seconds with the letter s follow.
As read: 4h38
